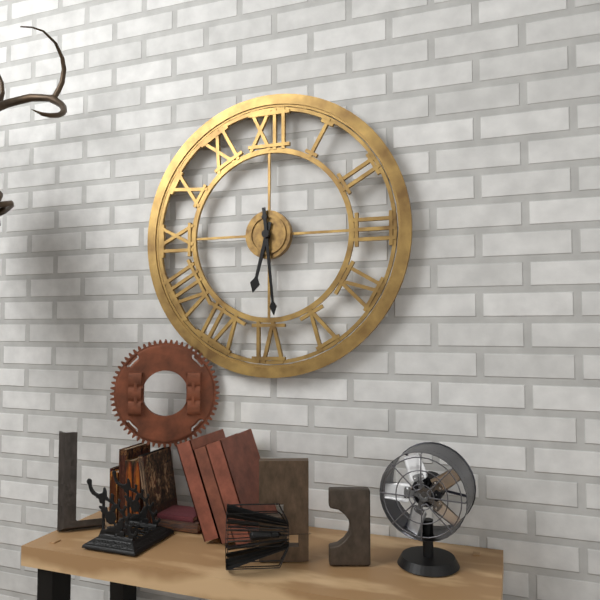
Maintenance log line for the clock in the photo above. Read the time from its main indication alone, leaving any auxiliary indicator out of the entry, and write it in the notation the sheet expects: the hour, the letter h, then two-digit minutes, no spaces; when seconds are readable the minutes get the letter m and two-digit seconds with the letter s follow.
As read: 6h29
